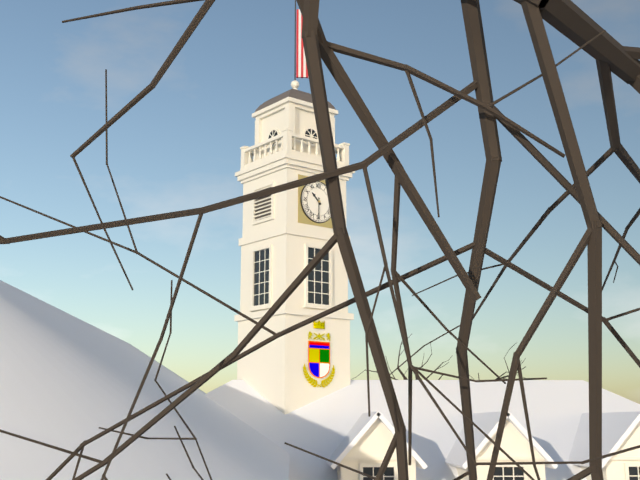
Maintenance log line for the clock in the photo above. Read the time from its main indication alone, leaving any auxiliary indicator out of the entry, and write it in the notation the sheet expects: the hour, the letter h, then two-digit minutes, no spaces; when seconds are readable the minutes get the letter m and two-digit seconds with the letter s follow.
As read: 10h30
